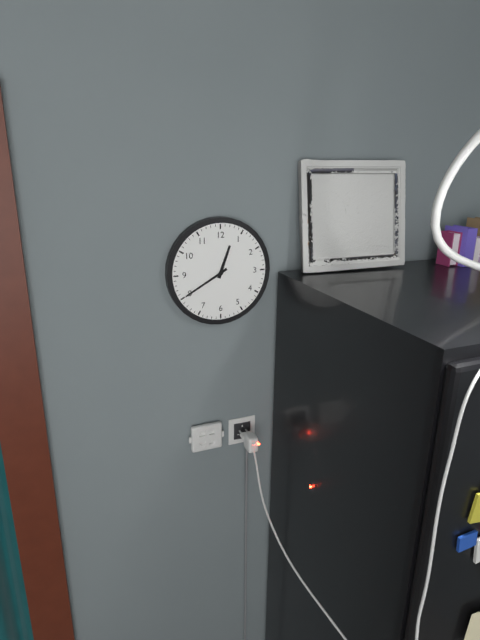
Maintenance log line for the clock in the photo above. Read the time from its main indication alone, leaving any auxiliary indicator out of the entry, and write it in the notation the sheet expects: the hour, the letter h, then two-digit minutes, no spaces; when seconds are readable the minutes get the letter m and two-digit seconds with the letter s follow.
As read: 12h40
